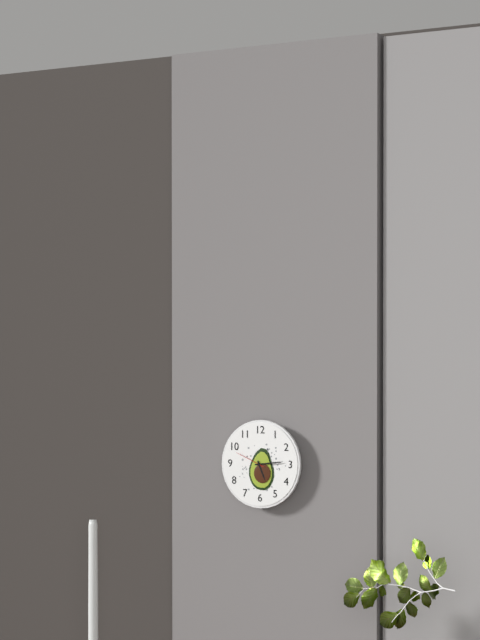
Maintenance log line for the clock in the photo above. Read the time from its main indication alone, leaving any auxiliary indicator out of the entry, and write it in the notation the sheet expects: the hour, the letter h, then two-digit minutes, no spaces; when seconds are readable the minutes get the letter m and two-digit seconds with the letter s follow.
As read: 5h14
